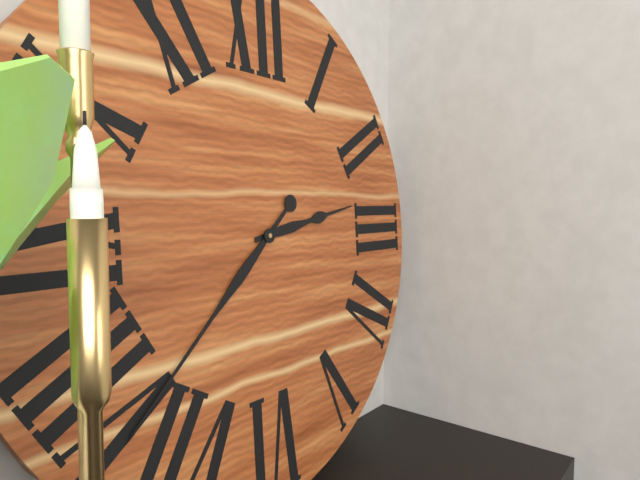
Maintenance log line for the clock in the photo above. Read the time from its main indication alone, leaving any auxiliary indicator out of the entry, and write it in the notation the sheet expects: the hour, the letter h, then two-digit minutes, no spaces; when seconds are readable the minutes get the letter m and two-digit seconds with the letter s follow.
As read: 2h38
